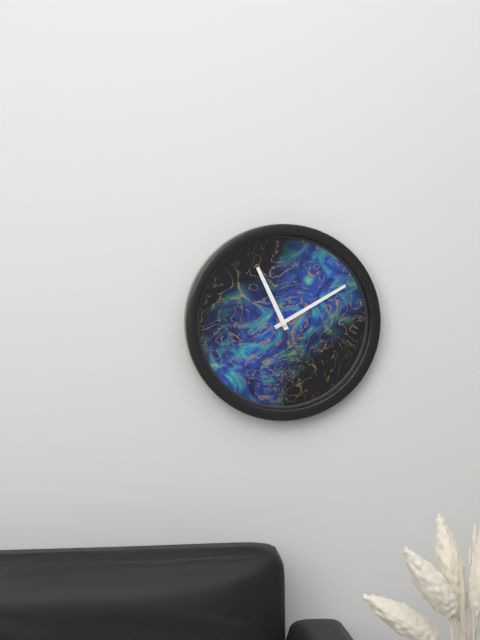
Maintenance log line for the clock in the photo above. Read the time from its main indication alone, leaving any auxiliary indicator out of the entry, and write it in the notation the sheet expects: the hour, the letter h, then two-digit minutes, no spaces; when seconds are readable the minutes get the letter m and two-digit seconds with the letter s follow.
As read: 11h10
